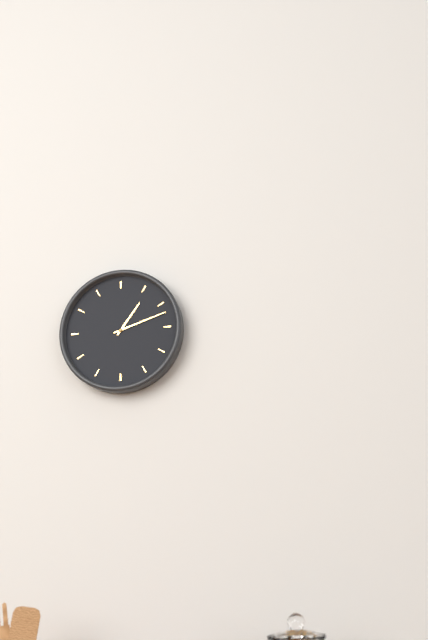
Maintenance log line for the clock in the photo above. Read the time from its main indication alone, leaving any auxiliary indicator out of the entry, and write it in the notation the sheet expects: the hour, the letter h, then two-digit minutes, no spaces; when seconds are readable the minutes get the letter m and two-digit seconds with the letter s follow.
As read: 1h12
